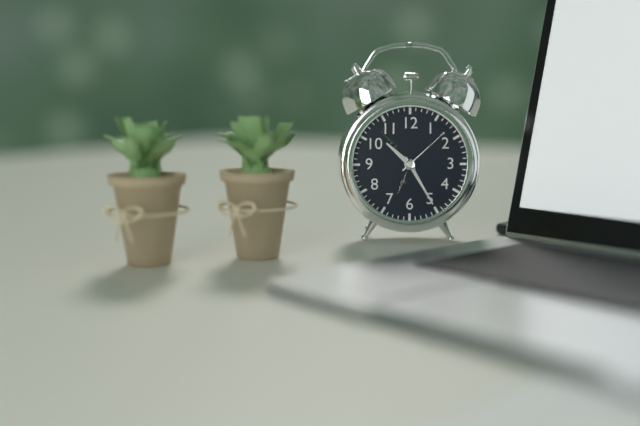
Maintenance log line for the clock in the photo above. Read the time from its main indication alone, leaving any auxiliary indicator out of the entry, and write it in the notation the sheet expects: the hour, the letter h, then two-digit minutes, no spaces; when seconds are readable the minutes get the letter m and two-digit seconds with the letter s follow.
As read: 10h25
